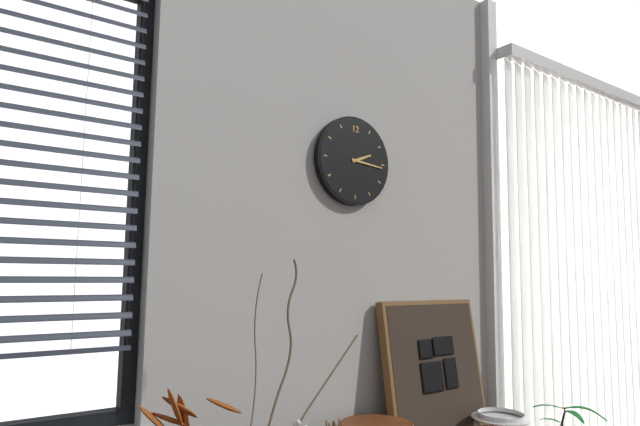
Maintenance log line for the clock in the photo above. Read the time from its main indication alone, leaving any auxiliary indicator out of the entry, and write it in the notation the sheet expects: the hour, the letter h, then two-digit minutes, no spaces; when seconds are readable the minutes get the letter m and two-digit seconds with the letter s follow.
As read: 2h16
